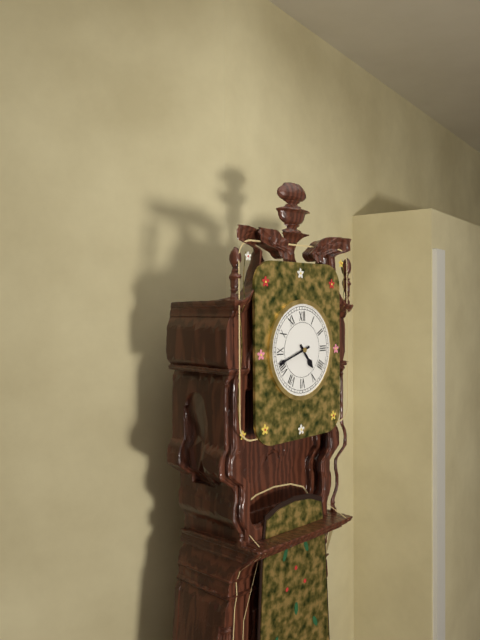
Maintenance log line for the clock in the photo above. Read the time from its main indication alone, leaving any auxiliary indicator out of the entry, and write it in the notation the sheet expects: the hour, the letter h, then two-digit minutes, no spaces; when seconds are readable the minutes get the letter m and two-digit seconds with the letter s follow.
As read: 4h42
